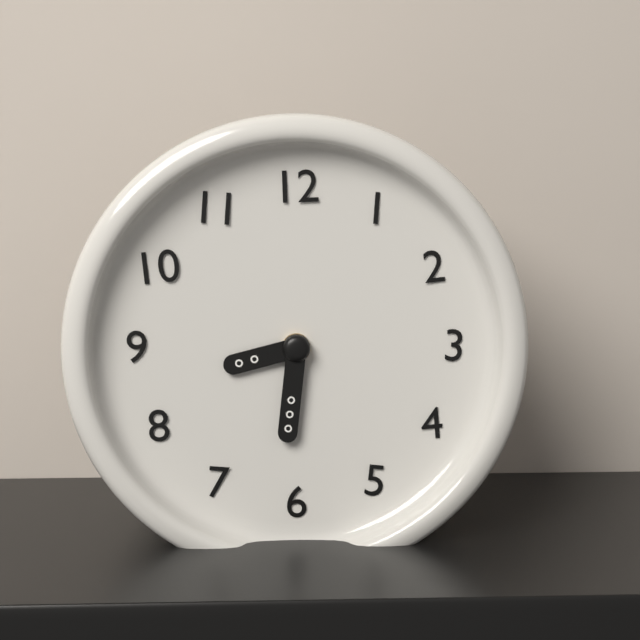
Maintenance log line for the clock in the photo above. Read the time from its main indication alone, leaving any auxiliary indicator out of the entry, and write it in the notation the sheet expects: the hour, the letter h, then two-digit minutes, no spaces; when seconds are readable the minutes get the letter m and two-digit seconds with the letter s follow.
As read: 8h31
